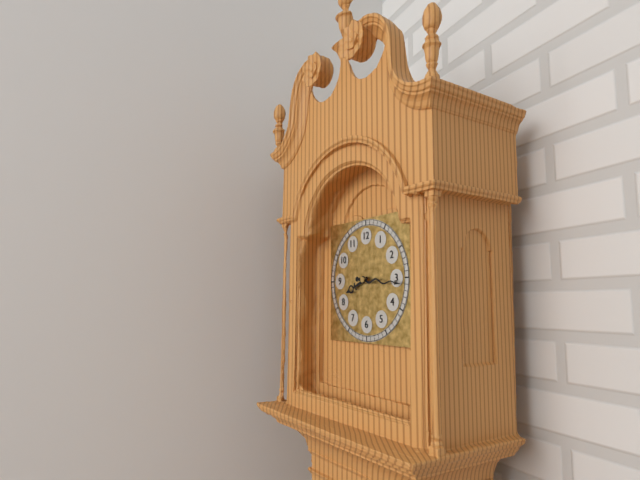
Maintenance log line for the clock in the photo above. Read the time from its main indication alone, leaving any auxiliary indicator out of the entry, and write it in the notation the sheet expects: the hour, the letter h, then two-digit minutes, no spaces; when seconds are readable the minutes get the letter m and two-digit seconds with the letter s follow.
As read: 8h16
